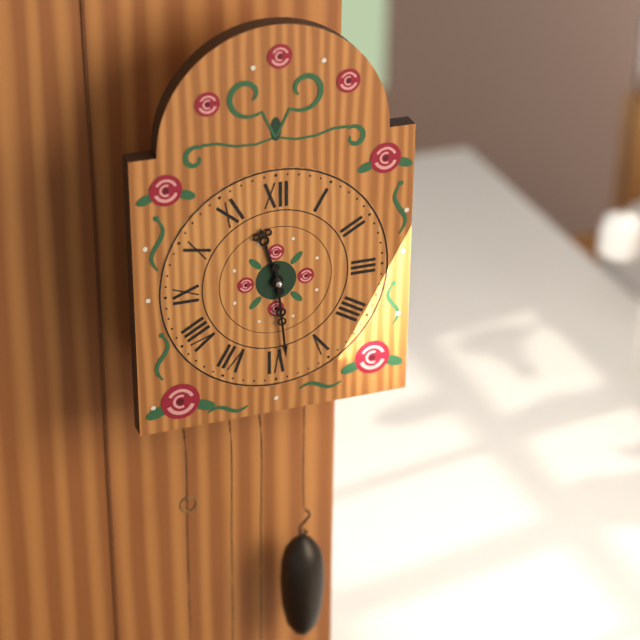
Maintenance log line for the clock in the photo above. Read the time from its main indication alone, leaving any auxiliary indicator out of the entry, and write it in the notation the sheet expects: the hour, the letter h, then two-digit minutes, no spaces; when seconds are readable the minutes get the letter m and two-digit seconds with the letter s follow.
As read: 11h29
